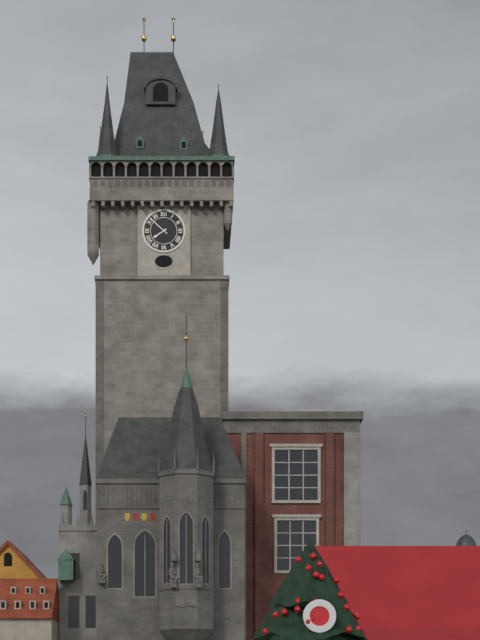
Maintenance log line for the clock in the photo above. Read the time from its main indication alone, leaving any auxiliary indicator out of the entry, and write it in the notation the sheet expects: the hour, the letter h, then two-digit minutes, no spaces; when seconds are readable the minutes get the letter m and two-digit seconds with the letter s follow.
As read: 7h52
